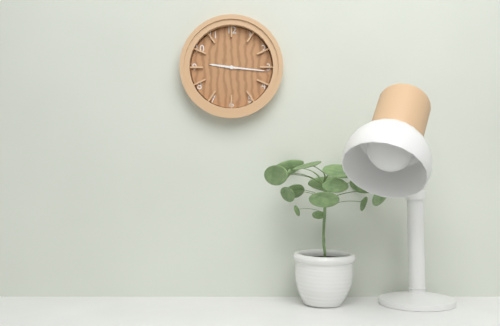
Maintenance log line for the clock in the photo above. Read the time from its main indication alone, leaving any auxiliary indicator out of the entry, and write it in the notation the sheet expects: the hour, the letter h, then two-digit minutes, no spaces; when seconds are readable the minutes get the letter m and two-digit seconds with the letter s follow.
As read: 9h16
